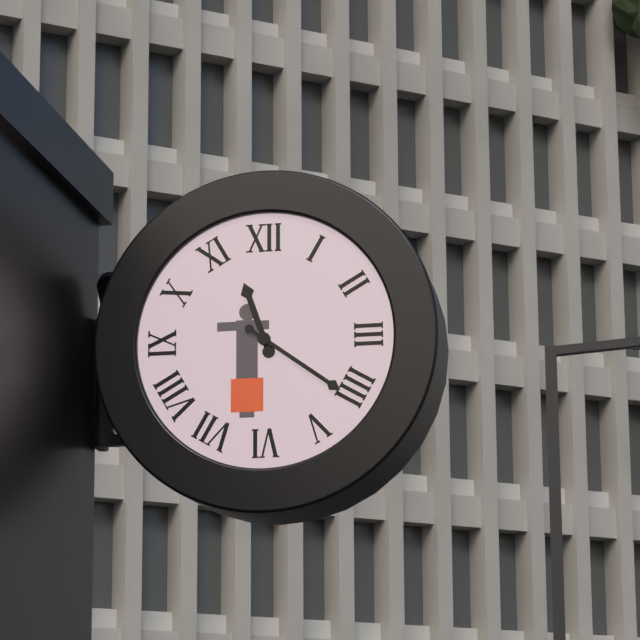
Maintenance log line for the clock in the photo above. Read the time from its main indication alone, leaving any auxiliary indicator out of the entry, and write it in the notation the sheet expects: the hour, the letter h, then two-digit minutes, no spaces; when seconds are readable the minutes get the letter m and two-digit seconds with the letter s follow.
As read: 11h21
